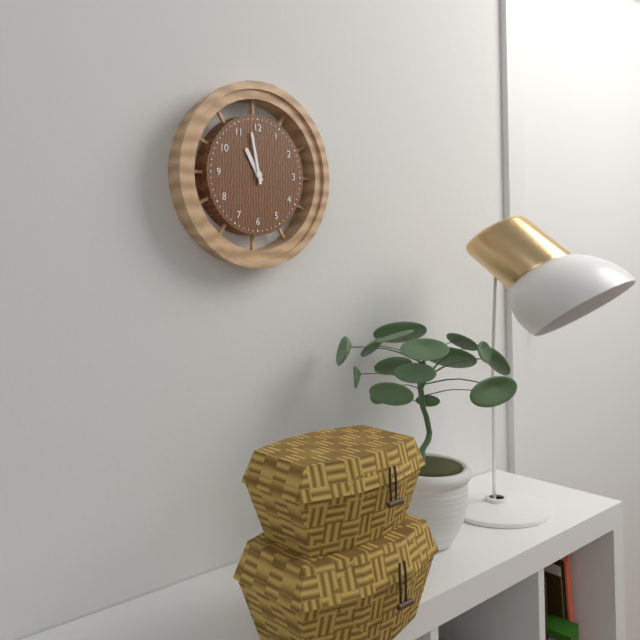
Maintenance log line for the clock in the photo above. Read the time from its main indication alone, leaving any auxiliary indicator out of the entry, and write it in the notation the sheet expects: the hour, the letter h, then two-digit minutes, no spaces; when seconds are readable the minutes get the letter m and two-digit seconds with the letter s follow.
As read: 10h58
